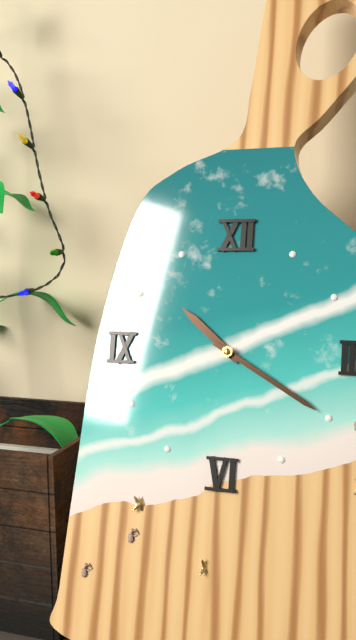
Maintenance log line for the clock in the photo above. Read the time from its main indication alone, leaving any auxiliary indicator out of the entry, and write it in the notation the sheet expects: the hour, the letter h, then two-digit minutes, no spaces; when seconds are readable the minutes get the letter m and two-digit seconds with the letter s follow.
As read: 10h20
